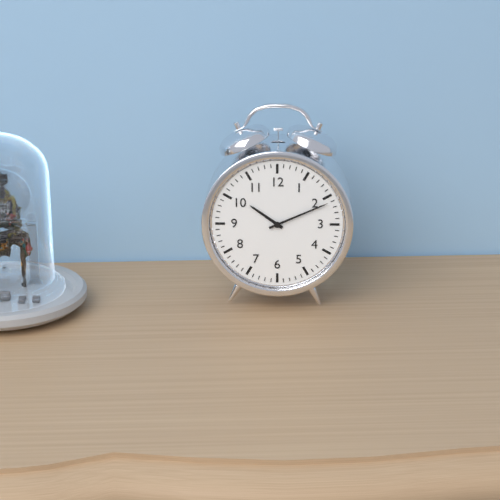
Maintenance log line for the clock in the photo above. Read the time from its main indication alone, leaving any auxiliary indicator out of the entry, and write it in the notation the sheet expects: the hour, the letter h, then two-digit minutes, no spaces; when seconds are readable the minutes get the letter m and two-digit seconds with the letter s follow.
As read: 10h11
